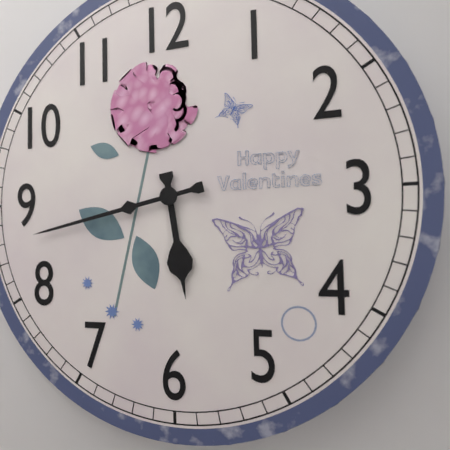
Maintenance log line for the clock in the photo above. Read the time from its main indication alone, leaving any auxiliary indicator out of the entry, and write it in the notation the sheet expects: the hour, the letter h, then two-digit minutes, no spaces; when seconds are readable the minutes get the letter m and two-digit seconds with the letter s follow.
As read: 5h43
